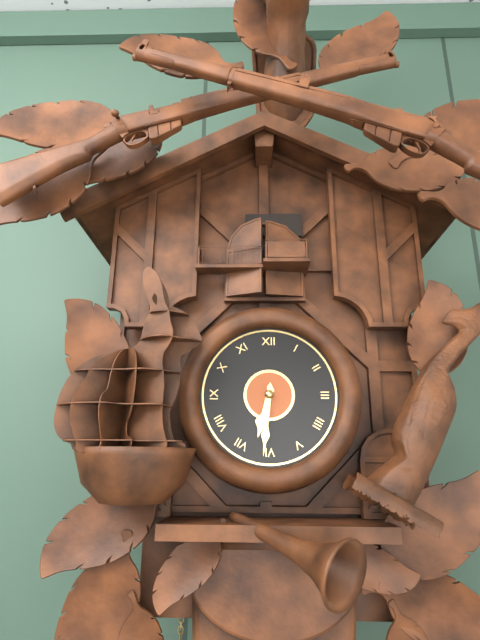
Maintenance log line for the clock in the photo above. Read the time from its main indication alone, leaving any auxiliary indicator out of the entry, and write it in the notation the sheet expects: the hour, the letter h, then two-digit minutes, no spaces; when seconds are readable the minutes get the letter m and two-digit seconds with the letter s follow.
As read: 6h31
